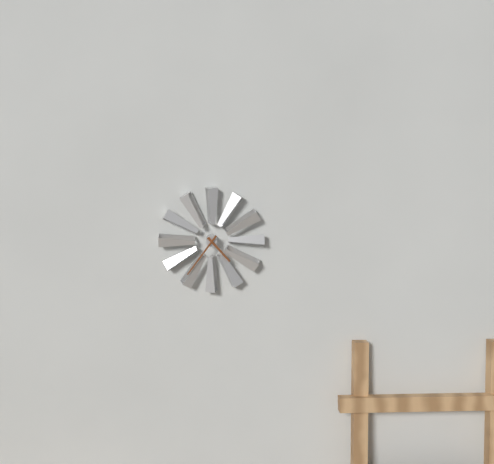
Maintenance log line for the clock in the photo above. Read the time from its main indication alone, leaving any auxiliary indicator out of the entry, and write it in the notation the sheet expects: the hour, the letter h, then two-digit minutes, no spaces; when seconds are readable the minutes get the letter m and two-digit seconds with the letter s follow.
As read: 4h36
